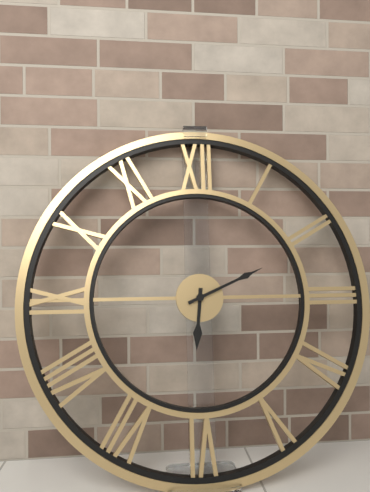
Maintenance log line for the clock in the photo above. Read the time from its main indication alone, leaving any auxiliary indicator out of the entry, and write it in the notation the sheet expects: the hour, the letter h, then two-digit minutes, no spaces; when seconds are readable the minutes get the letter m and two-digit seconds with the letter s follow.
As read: 6h11
